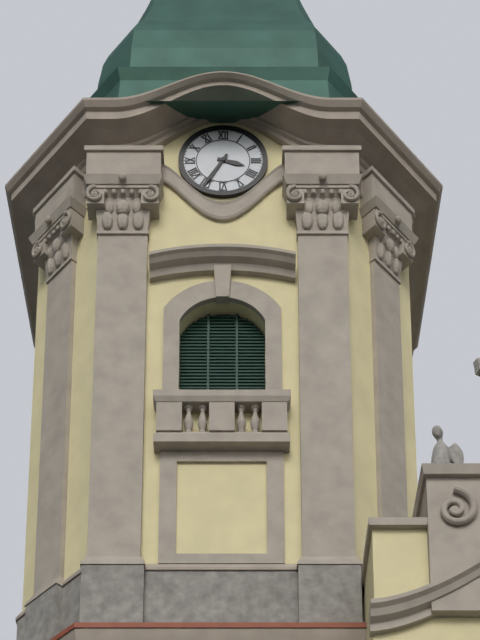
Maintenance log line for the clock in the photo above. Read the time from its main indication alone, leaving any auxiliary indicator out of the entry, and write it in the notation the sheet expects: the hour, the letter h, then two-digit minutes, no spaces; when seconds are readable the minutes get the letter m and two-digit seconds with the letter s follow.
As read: 3h35
